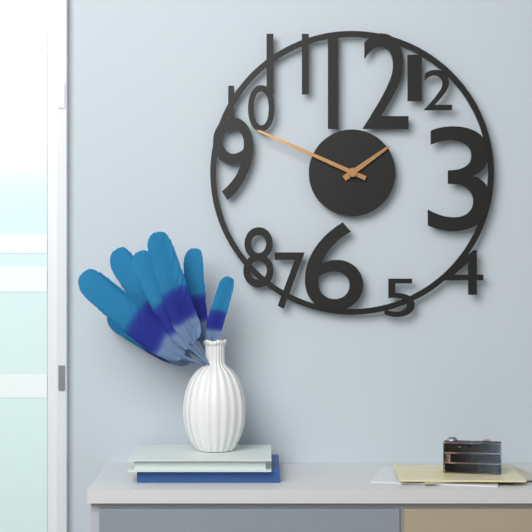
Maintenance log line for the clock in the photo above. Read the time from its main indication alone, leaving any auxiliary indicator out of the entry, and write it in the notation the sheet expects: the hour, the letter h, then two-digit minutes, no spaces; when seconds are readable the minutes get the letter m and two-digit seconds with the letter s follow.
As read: 1h49
